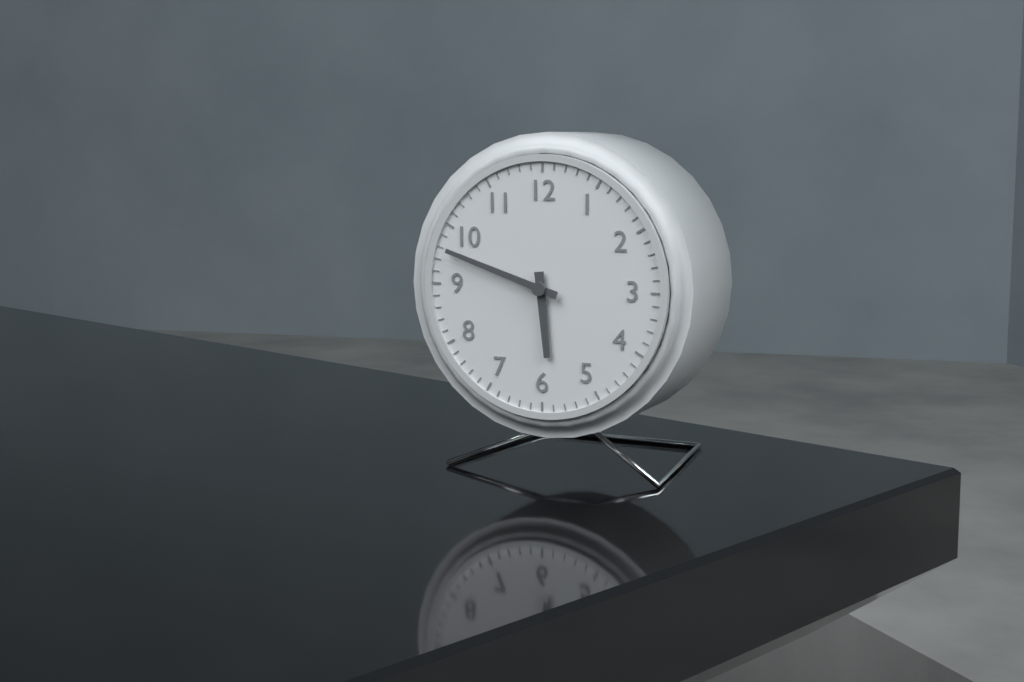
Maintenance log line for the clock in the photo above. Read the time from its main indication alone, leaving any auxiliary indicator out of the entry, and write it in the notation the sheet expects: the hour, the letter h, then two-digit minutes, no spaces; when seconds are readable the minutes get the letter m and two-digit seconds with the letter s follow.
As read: 5h48
